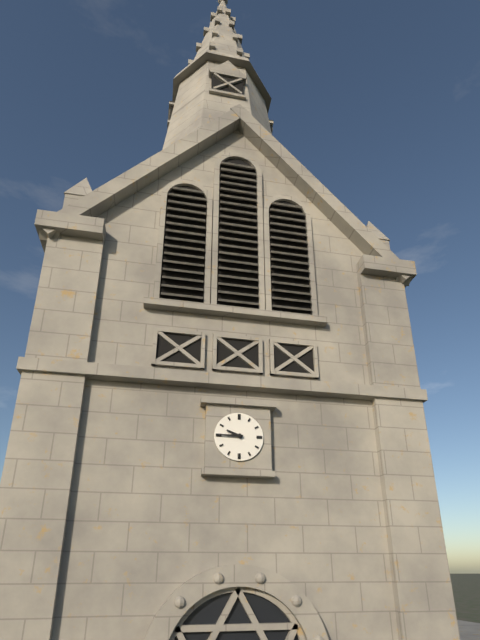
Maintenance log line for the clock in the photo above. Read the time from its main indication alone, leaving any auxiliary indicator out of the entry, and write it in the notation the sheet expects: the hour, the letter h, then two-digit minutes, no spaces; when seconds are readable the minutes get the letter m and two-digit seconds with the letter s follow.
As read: 9h45
